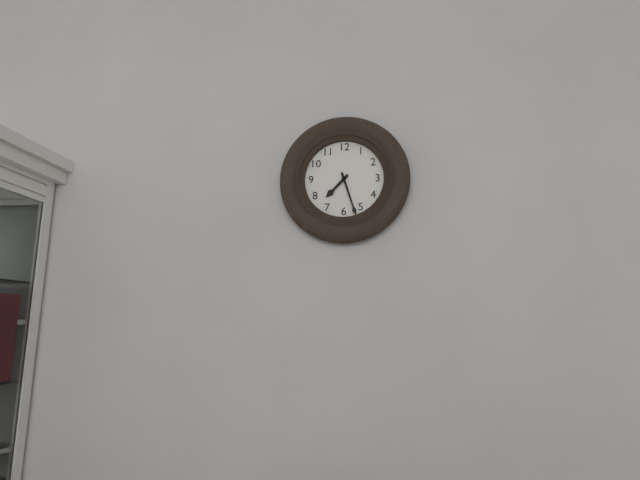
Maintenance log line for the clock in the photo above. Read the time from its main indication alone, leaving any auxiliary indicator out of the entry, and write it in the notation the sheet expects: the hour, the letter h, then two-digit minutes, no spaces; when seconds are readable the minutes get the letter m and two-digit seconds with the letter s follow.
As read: 7h27
